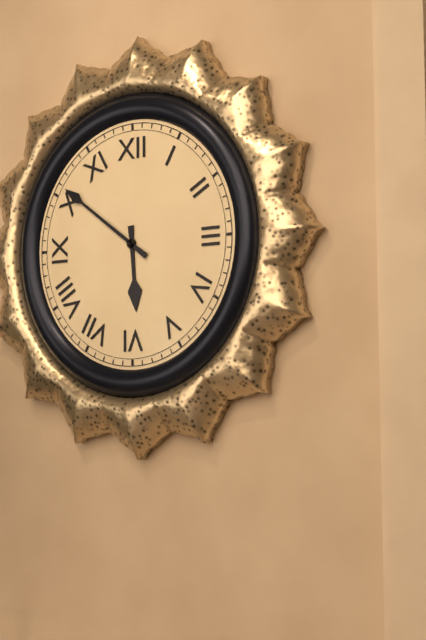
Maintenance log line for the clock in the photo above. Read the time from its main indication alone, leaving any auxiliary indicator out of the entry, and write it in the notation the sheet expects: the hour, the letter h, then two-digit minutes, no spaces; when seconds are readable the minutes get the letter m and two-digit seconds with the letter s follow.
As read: 5h51
